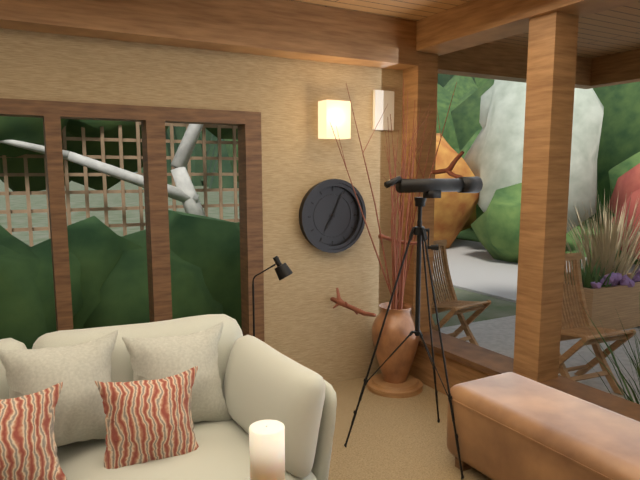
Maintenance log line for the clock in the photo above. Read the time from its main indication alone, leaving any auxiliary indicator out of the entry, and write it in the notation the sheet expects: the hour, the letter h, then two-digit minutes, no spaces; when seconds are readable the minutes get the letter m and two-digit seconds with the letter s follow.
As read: 7h04
